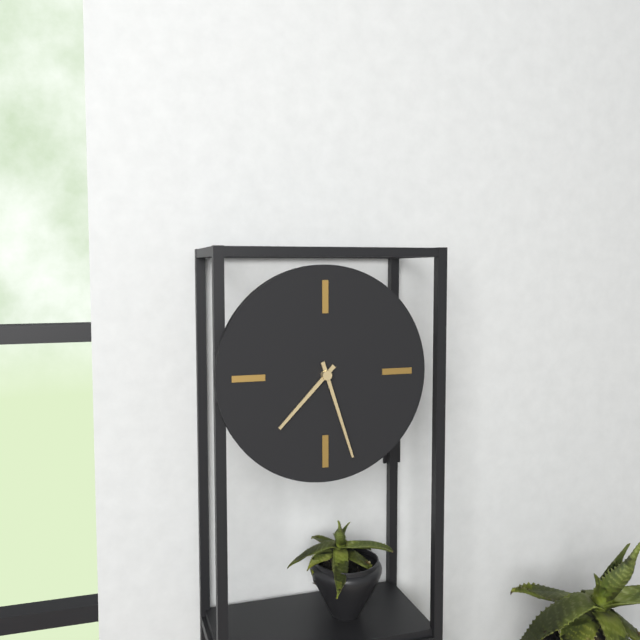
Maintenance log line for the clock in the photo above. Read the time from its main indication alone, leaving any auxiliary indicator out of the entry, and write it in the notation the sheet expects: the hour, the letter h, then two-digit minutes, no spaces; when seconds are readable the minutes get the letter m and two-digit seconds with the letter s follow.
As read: 7h27
